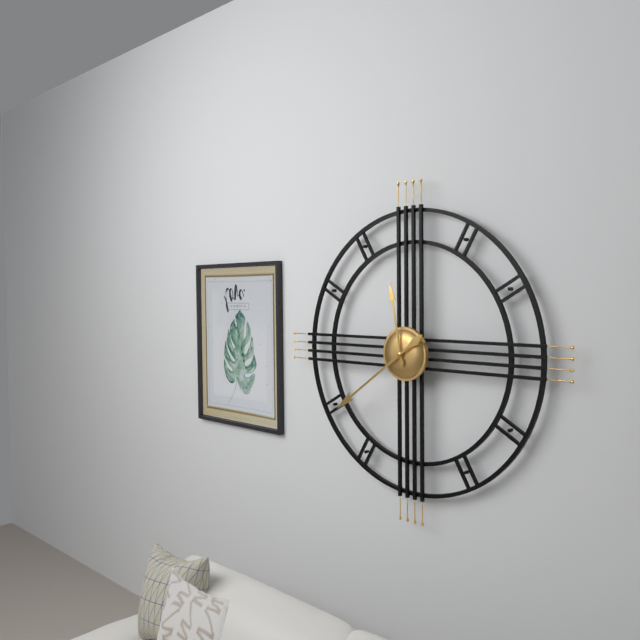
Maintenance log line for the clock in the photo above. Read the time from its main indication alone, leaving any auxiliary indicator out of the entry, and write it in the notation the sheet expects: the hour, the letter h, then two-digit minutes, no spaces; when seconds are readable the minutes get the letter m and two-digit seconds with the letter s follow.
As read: 11h39
